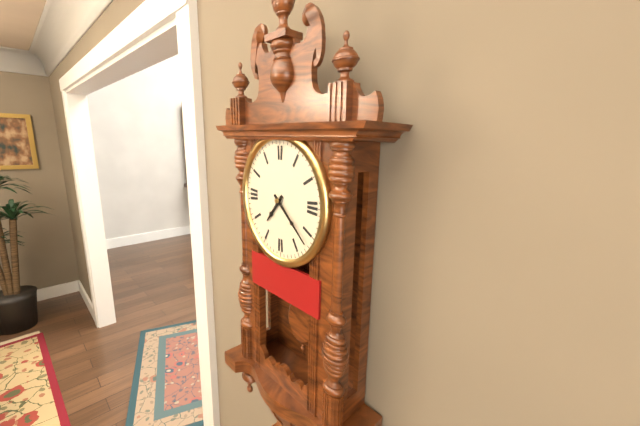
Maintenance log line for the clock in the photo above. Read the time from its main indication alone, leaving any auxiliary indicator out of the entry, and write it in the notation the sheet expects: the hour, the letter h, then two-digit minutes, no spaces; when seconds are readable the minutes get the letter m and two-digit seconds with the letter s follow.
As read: 7h22
